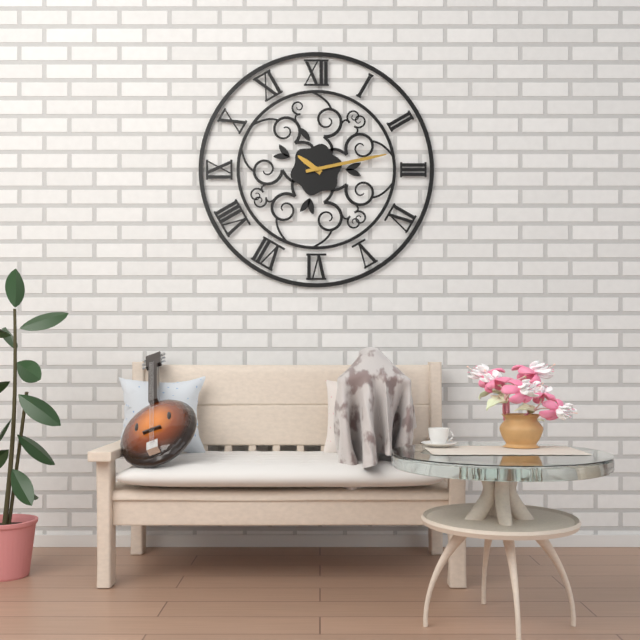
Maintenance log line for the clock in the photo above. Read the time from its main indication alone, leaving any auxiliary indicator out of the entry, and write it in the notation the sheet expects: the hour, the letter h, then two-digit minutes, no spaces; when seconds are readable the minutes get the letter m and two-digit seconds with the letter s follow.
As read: 10h13
